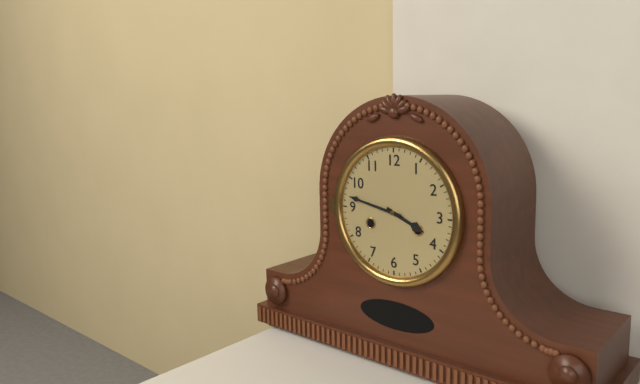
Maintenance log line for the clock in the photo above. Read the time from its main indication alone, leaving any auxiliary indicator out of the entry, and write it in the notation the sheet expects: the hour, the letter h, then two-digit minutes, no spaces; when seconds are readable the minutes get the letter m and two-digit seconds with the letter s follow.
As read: 3h47
